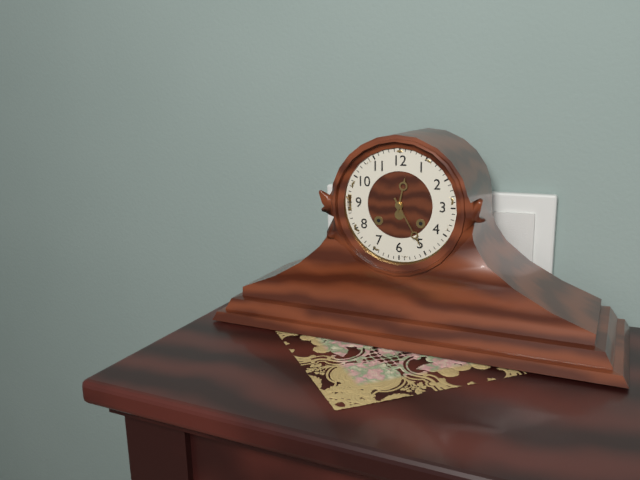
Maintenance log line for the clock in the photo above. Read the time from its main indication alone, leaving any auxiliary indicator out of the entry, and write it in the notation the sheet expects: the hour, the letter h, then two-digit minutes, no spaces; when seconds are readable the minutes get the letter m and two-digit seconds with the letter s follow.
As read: 12h25
